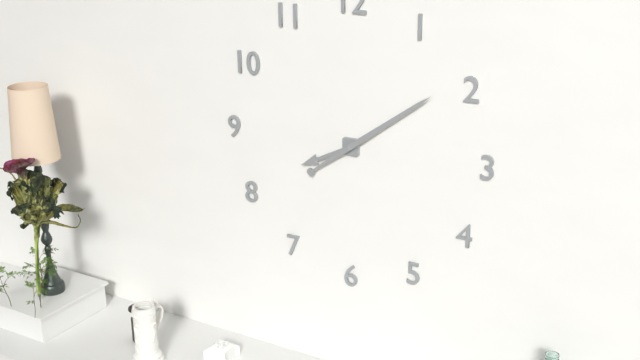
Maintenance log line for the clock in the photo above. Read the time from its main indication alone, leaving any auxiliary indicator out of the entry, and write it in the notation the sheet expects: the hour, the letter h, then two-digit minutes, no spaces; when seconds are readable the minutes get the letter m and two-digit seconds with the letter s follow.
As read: 8h09
